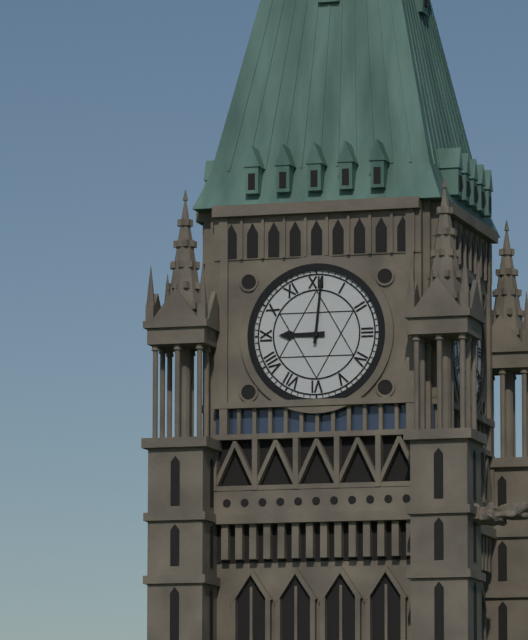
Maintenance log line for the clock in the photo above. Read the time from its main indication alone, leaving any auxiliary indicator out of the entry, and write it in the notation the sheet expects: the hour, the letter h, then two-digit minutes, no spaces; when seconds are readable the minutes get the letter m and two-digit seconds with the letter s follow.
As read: 9h01
